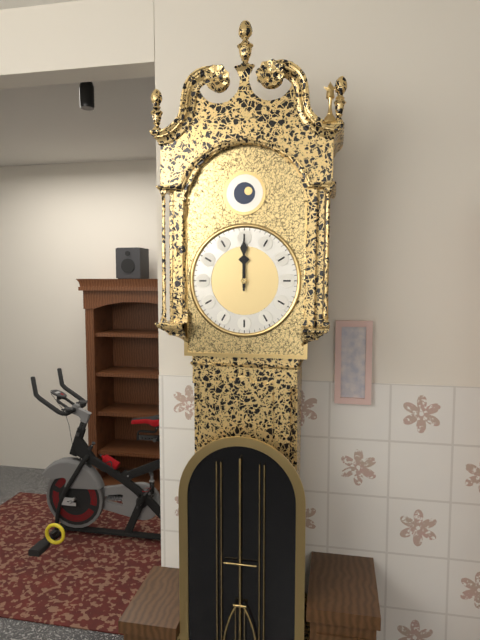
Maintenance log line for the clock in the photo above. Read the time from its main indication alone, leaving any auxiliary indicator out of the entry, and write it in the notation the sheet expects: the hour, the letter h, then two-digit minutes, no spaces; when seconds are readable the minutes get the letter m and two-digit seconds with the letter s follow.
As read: 12h00
